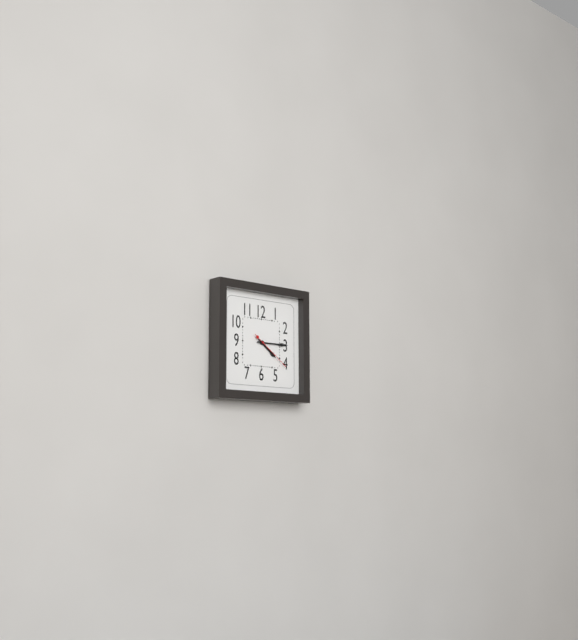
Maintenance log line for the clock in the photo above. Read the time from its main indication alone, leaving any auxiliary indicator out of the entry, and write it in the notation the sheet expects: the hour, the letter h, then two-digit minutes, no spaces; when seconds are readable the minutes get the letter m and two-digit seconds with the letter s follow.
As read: 4h15
